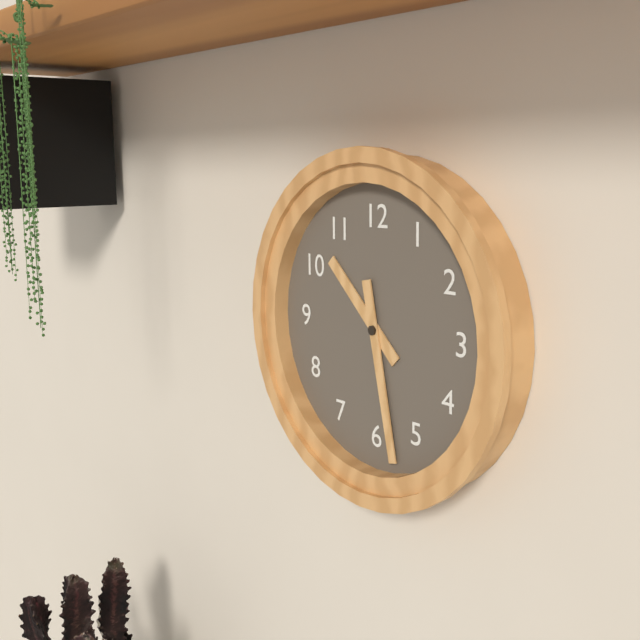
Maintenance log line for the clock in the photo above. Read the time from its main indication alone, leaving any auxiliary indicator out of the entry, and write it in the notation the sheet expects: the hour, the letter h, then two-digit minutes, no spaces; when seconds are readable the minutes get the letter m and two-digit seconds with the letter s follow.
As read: 10h28
